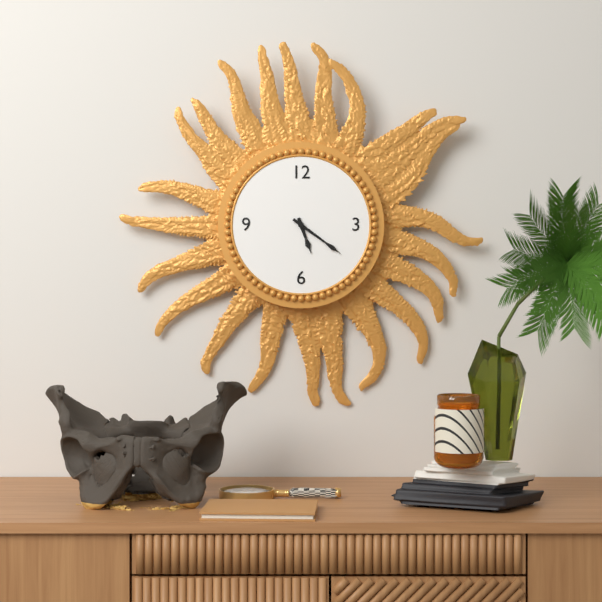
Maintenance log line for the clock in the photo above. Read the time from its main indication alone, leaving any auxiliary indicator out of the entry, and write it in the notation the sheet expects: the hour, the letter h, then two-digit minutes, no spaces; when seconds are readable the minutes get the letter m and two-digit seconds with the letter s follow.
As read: 5h21
